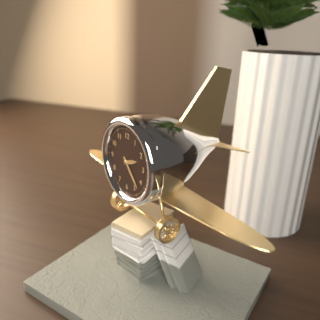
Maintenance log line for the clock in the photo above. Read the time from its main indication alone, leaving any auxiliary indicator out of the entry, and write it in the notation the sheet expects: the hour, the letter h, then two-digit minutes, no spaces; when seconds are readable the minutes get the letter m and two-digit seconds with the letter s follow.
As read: 2h23
